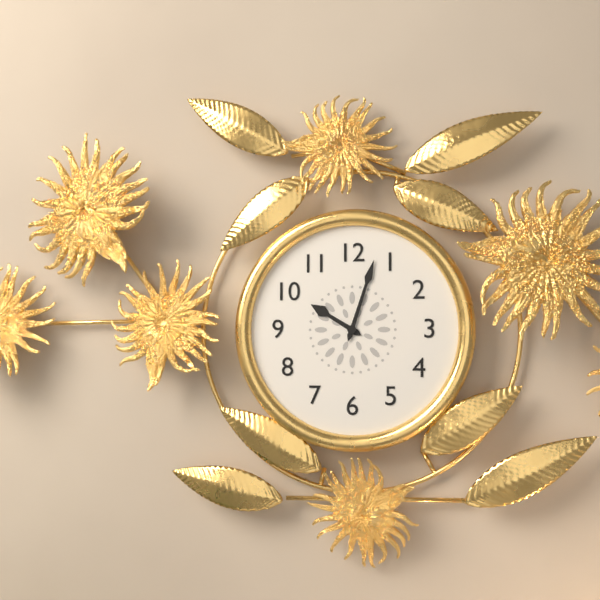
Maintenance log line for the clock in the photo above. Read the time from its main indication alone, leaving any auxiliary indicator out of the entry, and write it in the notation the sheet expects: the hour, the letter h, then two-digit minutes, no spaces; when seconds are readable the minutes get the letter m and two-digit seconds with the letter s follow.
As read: 10h03
